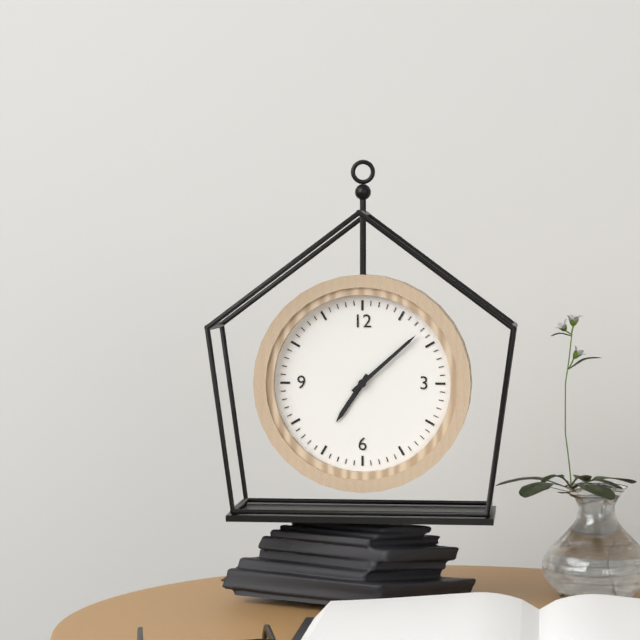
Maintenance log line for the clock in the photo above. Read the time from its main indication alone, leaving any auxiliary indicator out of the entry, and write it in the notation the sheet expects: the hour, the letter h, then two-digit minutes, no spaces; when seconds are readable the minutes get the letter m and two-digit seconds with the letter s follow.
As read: 7h08
